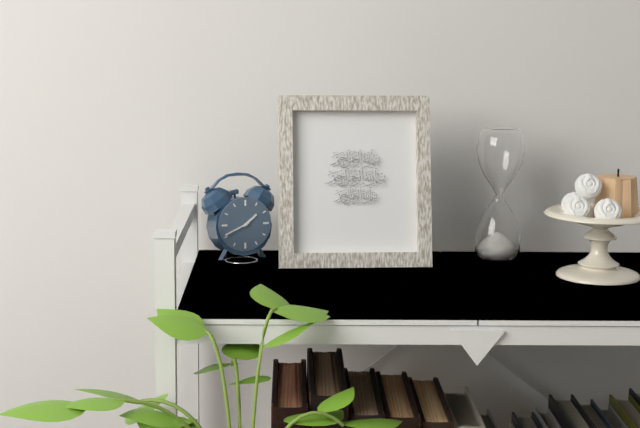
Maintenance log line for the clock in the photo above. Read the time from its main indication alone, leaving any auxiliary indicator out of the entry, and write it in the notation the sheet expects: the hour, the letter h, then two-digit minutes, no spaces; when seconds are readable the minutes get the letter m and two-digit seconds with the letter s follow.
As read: 1h41
